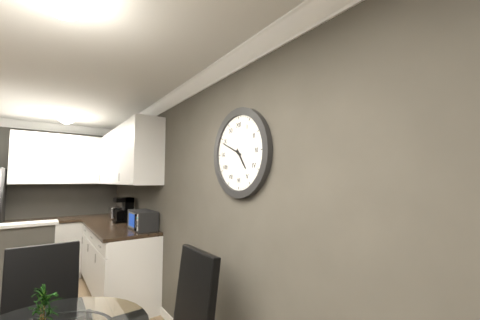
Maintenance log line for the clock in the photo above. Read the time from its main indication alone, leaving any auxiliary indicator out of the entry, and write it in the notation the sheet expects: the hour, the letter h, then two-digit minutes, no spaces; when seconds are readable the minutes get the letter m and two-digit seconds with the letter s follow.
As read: 4h49
